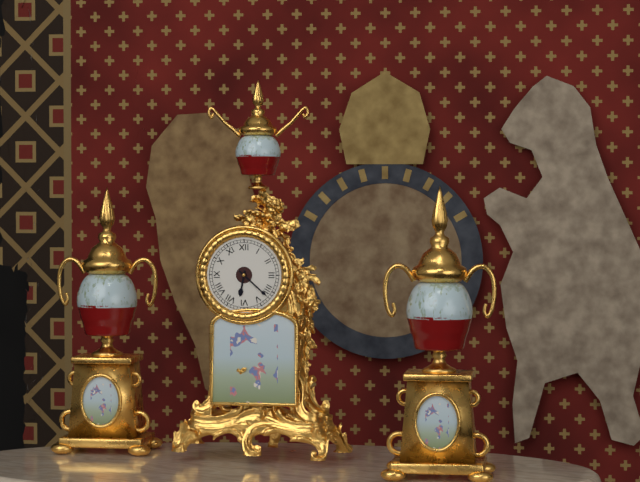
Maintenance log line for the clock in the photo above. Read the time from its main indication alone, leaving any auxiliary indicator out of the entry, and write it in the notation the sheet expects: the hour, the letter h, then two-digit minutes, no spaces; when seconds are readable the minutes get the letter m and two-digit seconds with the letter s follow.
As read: 6h22
